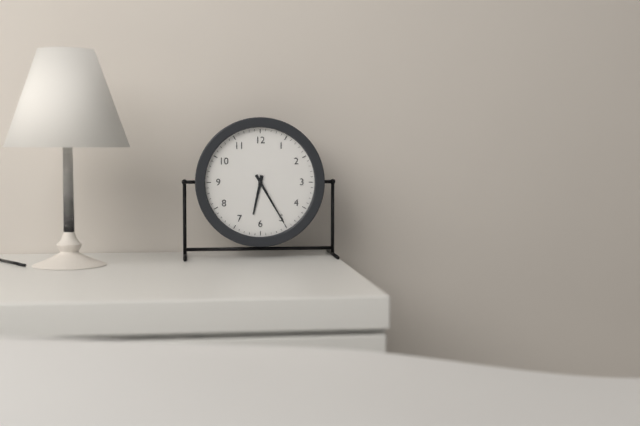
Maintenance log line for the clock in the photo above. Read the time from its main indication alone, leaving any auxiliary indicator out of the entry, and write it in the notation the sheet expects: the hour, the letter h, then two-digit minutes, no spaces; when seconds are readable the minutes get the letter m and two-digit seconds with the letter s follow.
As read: 6h25
